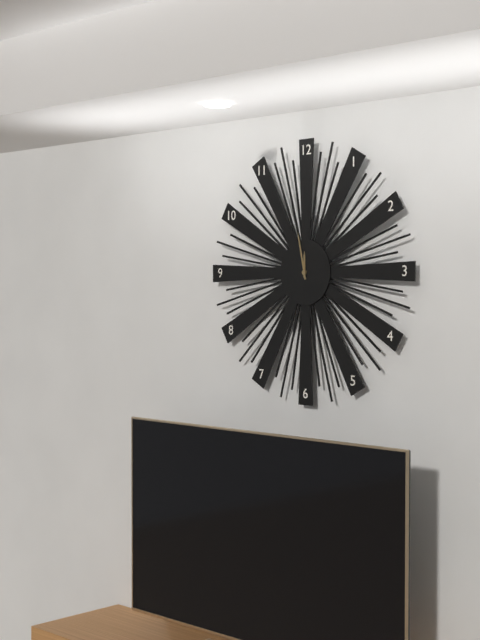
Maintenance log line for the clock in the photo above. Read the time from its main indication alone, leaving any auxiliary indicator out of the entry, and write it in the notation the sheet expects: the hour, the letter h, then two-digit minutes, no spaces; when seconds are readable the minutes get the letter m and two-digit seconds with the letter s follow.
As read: 11h58
